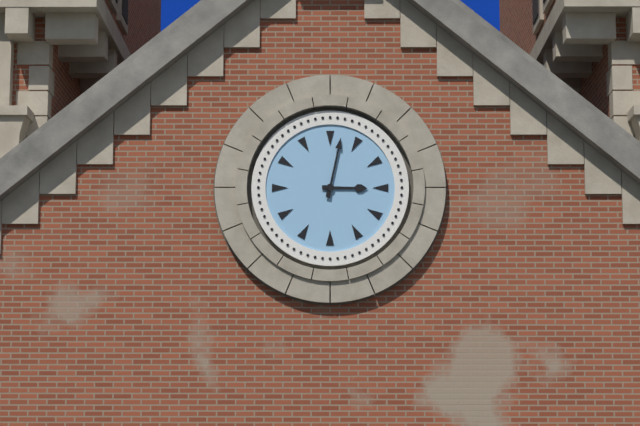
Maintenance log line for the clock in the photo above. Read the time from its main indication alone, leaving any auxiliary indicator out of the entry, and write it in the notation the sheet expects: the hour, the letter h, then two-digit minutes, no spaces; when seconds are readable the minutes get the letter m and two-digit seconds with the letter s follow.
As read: 3h02
